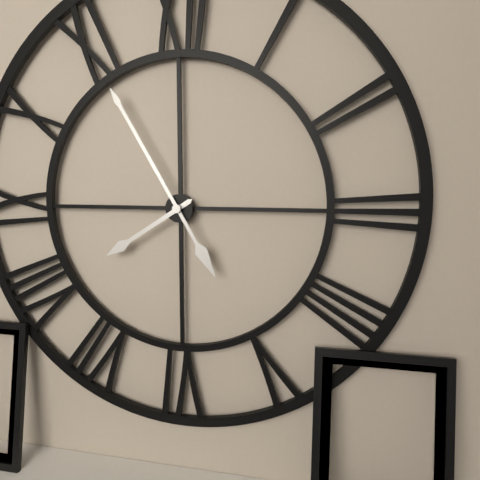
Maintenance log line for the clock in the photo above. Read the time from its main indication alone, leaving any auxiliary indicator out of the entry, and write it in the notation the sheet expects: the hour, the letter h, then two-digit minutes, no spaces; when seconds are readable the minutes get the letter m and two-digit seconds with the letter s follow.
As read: 7h55
